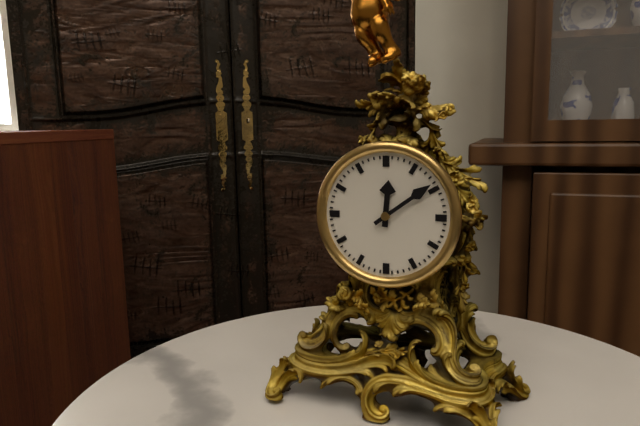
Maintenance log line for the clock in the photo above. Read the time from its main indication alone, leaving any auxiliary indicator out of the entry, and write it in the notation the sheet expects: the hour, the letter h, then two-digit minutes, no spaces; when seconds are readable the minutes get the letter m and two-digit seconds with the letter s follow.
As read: 12h09
